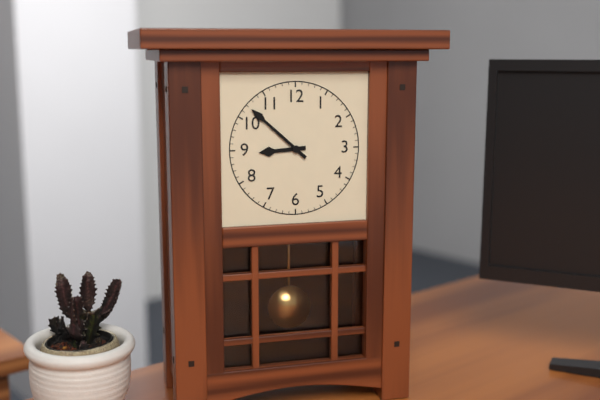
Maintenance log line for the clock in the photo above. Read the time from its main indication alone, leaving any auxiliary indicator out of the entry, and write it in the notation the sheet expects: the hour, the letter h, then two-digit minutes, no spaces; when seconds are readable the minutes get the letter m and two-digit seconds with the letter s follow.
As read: 8h52
